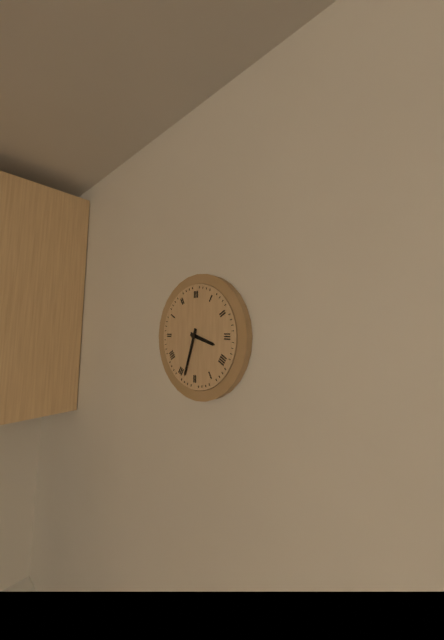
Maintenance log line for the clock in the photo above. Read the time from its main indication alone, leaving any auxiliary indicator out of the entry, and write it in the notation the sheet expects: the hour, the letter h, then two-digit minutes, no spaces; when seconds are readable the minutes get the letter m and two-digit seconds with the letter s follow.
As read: 3h33
